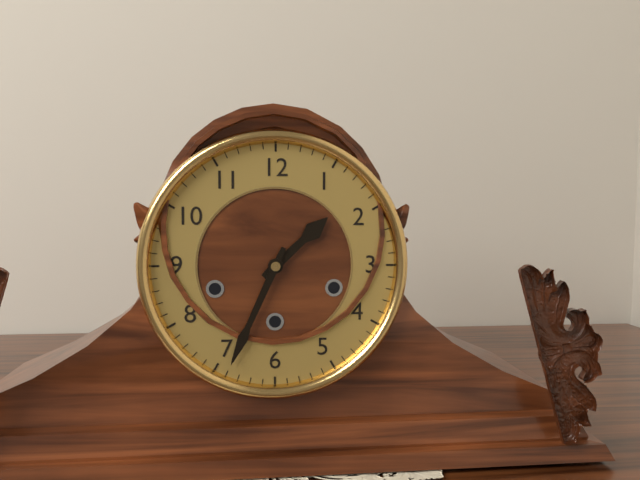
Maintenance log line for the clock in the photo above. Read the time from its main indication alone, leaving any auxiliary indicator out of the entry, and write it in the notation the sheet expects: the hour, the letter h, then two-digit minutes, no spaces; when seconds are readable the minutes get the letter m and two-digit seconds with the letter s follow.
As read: 1h34
